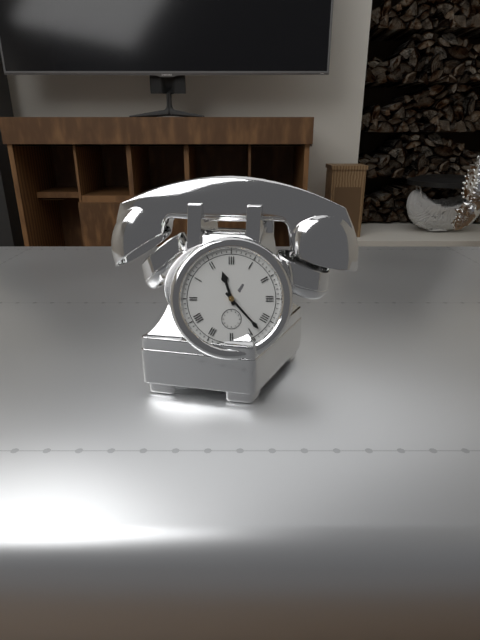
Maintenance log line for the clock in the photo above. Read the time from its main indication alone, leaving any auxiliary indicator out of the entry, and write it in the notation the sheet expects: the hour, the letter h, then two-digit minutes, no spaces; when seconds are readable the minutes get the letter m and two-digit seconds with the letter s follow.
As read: 11h23
